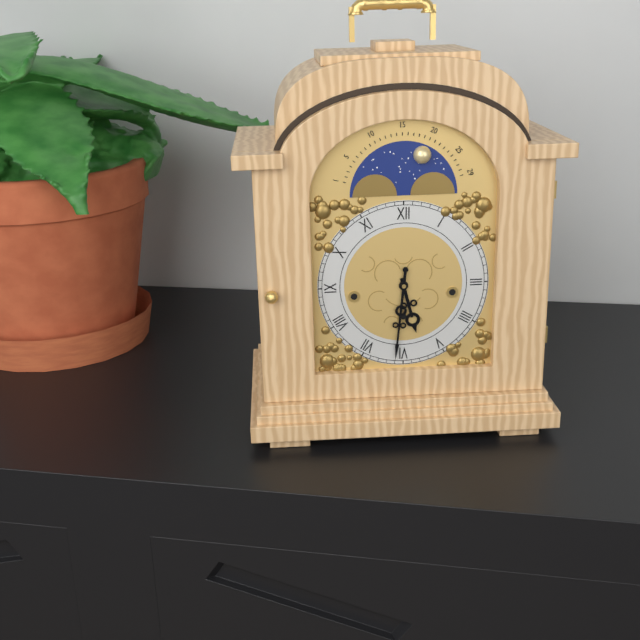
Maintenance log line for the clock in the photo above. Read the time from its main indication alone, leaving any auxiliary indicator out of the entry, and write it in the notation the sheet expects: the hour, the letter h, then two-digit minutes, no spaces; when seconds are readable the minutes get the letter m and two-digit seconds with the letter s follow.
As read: 5h31
